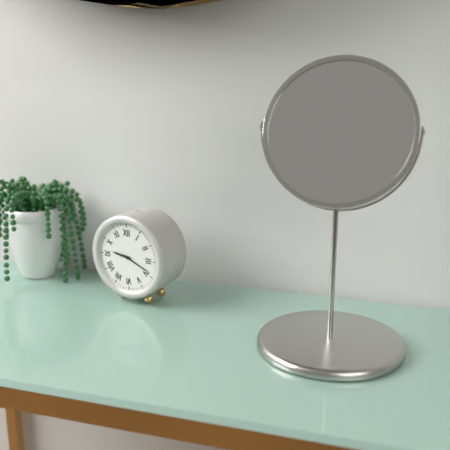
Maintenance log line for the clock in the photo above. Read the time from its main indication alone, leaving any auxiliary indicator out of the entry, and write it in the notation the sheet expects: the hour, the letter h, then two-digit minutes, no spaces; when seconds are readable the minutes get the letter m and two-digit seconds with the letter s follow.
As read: 9h19
